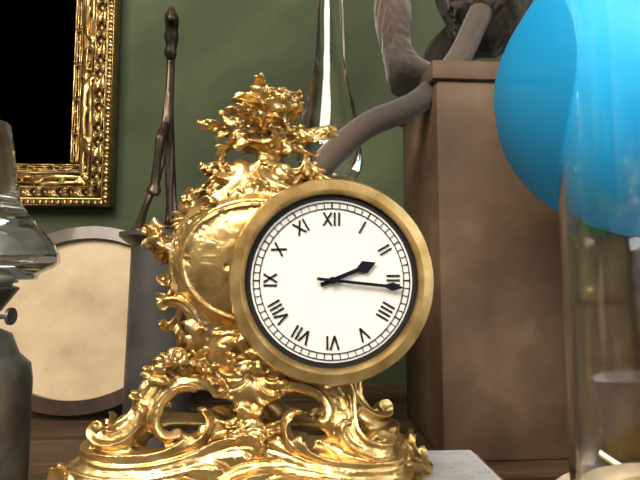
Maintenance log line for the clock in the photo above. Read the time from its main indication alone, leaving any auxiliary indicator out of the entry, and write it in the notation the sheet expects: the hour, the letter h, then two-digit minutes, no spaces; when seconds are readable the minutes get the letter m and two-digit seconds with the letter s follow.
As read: 2h16
